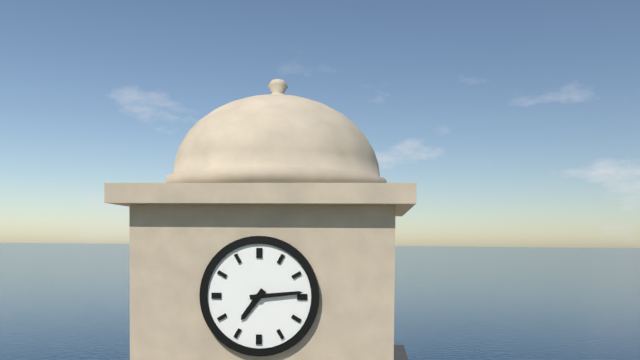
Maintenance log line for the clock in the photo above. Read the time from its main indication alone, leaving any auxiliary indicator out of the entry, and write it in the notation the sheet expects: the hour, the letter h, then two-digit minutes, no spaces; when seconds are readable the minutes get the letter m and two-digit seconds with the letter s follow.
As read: 7h14
